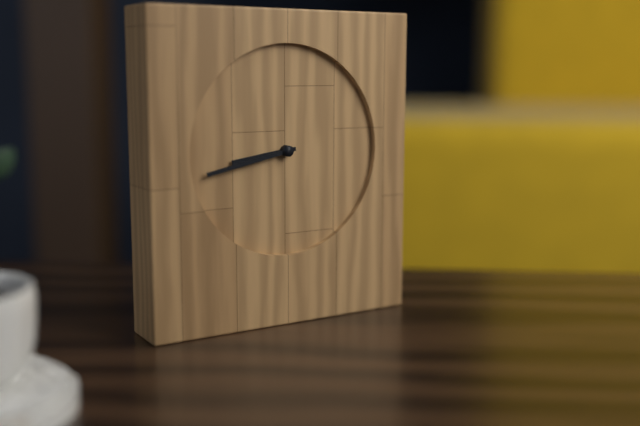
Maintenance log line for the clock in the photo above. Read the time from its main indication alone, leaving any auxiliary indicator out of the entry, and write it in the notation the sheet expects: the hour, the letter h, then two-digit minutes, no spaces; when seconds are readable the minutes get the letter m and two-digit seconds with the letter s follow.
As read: 8h43
